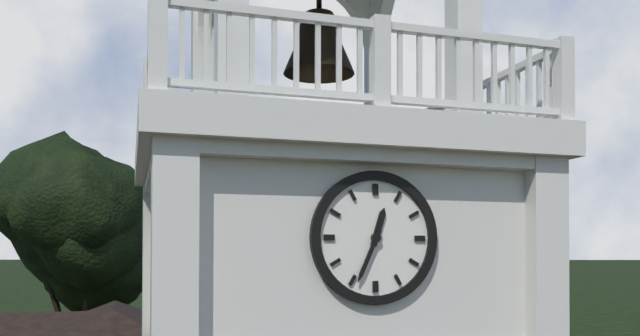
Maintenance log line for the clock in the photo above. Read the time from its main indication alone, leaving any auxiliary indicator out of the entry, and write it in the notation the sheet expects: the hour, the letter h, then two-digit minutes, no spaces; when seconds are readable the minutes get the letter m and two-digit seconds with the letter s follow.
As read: 12h34
